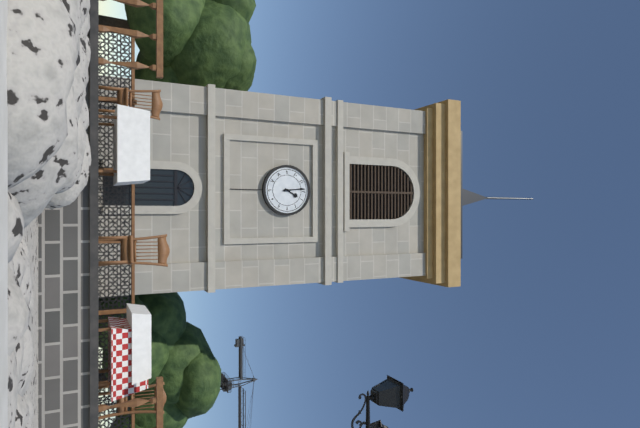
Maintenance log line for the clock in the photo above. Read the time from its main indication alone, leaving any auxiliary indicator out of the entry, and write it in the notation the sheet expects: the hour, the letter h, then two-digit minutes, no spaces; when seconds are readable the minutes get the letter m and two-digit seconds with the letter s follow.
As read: 12h59
